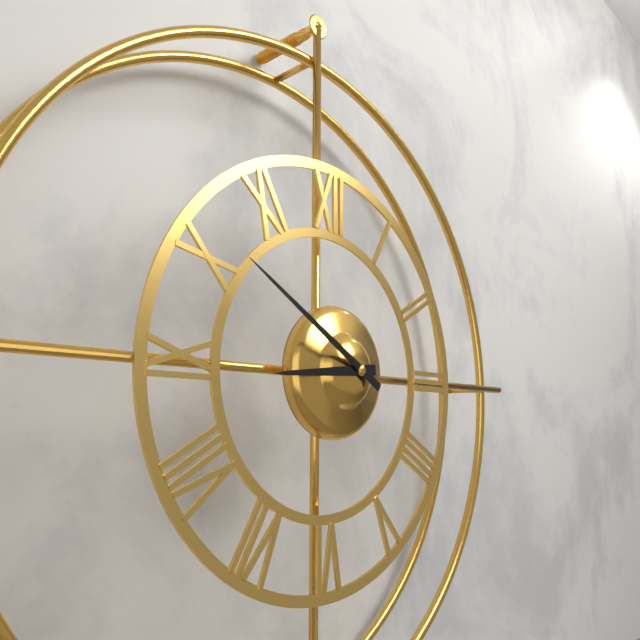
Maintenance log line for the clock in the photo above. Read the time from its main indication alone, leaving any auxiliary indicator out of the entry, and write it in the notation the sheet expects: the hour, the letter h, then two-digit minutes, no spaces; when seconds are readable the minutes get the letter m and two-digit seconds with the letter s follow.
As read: 8h50
